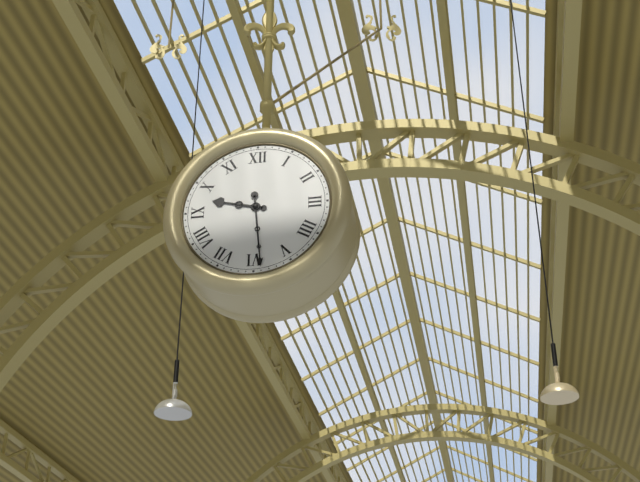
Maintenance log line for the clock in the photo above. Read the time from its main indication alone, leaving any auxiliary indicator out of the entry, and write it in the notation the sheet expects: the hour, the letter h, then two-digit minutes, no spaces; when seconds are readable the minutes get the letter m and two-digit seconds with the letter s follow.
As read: 9h29
